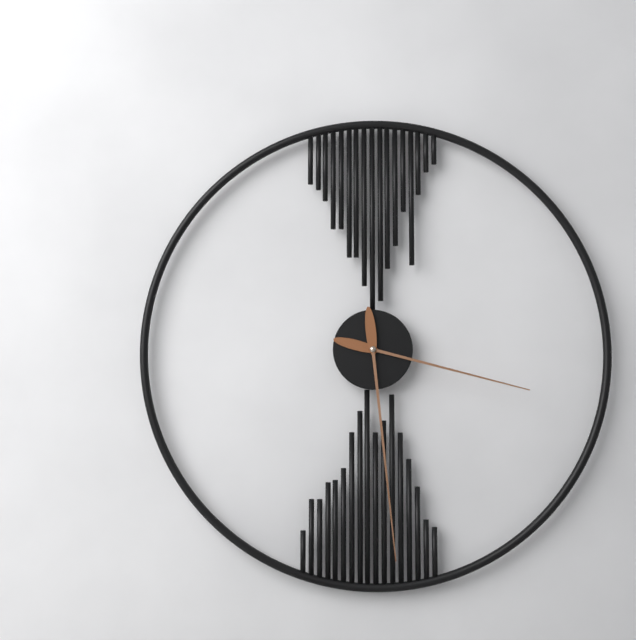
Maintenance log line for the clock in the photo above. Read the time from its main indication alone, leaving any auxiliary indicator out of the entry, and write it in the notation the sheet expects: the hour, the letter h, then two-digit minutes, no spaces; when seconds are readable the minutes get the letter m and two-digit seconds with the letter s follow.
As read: 3h29
